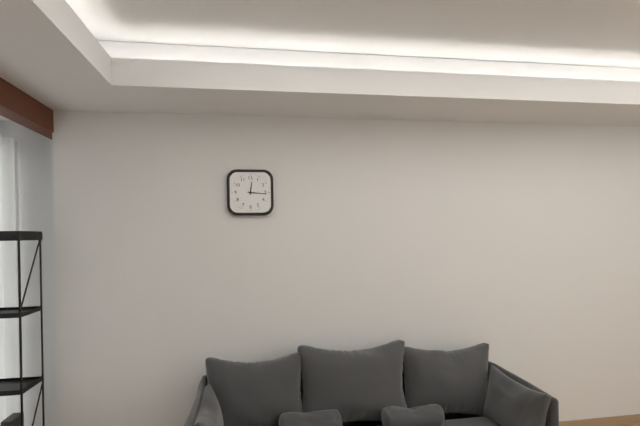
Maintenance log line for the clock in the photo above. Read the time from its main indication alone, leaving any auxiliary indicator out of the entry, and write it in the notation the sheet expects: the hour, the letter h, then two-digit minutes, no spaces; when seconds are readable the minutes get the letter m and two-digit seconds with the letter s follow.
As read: 12h16
